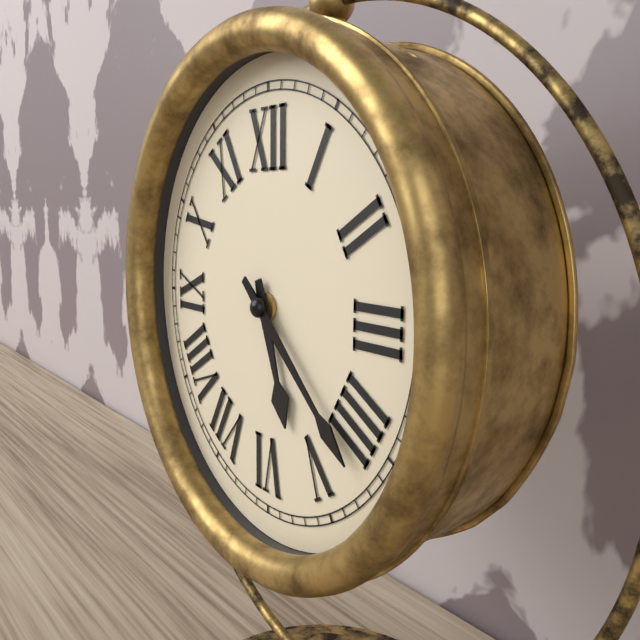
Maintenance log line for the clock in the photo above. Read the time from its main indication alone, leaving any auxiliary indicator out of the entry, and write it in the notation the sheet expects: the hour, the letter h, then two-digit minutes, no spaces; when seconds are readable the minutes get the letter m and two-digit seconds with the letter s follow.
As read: 5h22
